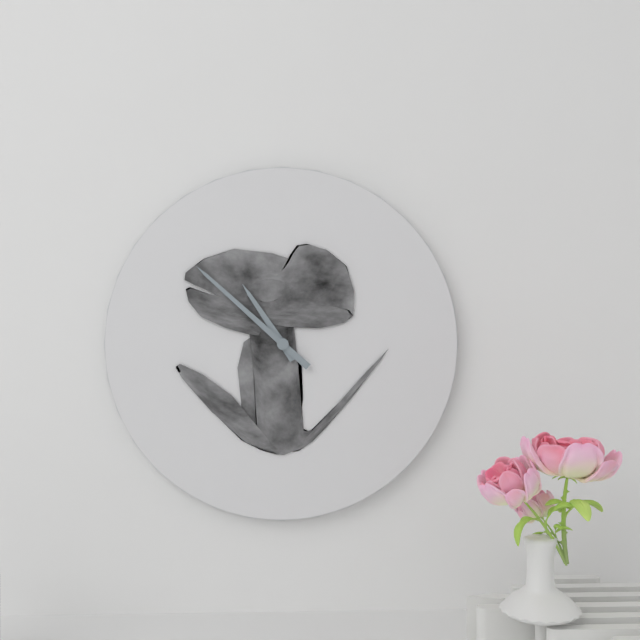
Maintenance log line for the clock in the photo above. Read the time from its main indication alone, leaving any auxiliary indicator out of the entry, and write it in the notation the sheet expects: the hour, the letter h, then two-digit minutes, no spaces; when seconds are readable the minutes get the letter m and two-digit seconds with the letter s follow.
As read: 10h52
